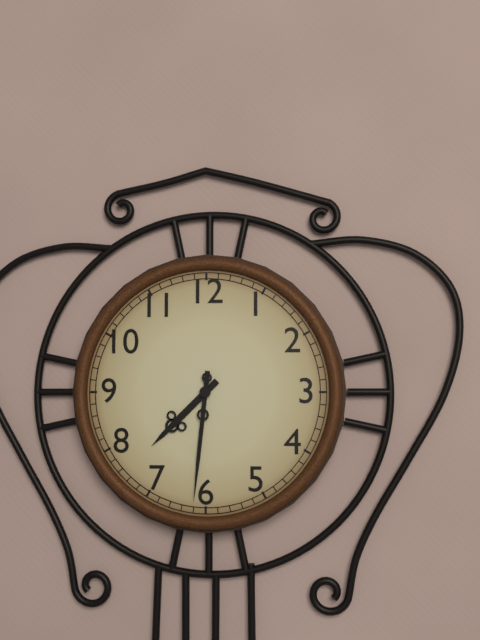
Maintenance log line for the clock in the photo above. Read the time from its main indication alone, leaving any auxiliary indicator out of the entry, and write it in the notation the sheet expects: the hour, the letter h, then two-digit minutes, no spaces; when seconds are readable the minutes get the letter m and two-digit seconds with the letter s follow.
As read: 7h31
